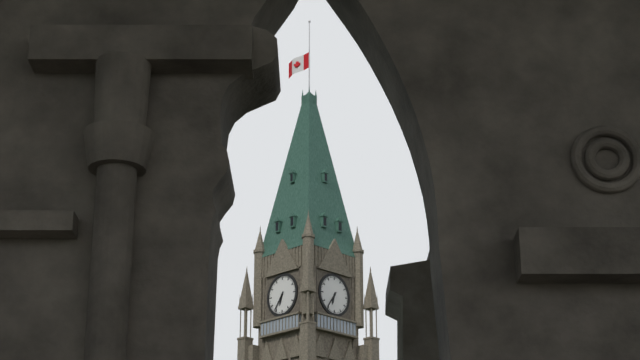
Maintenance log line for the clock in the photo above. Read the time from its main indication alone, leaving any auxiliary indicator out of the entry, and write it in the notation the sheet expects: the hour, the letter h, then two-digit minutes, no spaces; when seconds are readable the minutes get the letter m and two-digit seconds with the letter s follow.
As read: 6h36
